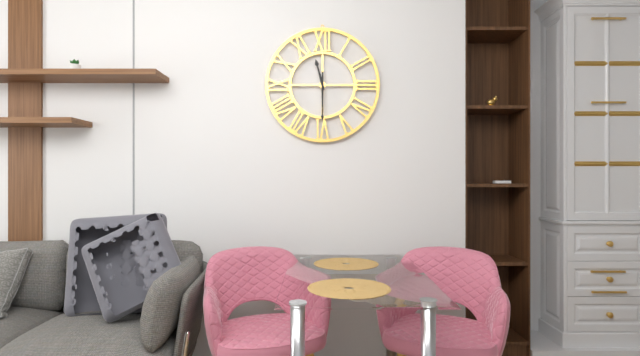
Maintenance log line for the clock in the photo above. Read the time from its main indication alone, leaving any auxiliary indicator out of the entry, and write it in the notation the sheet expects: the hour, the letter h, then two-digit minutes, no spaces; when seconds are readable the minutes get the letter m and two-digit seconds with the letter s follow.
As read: 11h30
